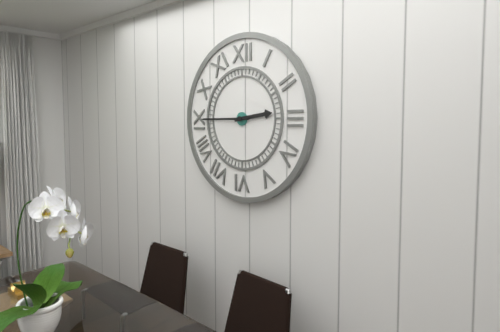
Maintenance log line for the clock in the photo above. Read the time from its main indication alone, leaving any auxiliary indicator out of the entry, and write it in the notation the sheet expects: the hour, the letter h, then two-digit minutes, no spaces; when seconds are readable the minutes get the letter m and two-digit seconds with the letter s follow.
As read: 2h45
